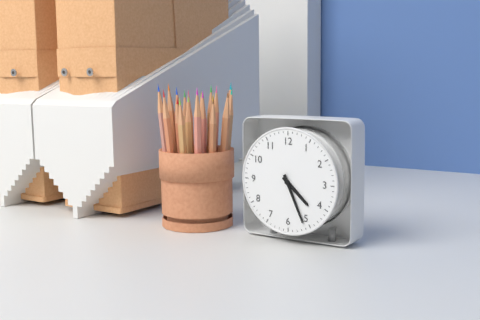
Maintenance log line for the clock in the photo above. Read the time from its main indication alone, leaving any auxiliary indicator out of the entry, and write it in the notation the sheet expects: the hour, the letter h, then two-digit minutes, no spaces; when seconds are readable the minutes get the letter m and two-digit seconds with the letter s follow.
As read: 4h26
